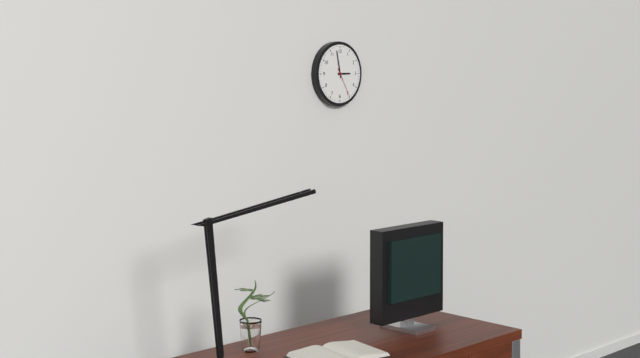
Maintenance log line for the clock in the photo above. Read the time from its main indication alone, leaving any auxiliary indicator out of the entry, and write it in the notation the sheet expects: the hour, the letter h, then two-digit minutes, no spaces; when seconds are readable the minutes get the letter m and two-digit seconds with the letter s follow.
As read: 2h58
